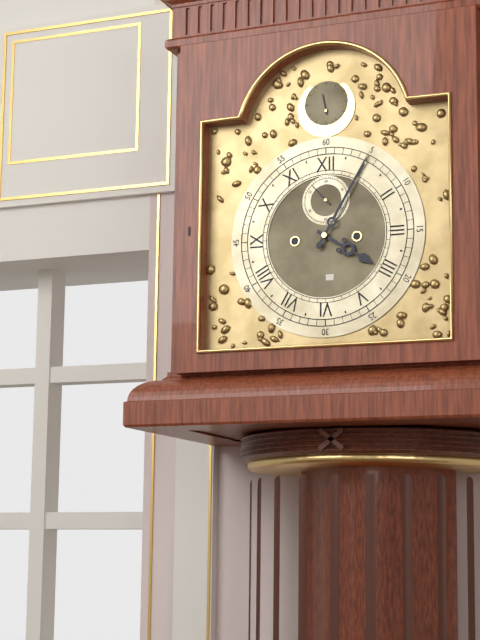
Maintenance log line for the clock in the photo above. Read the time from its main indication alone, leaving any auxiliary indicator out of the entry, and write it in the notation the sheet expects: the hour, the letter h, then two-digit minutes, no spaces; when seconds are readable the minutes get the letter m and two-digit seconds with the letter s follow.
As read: 4h05
